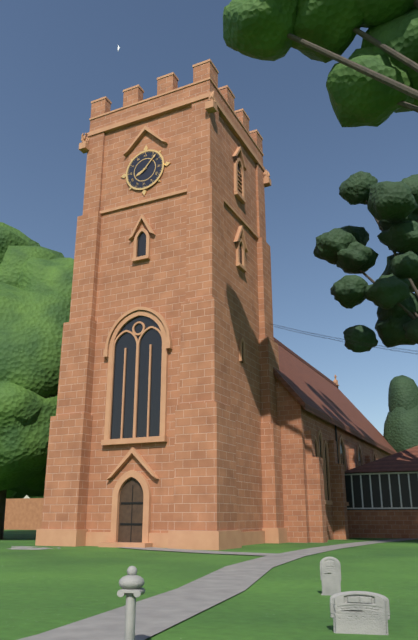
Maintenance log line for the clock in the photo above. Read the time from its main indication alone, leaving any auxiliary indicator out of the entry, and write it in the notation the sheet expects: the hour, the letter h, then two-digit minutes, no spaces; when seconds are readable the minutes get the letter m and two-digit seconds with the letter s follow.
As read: 8h07
